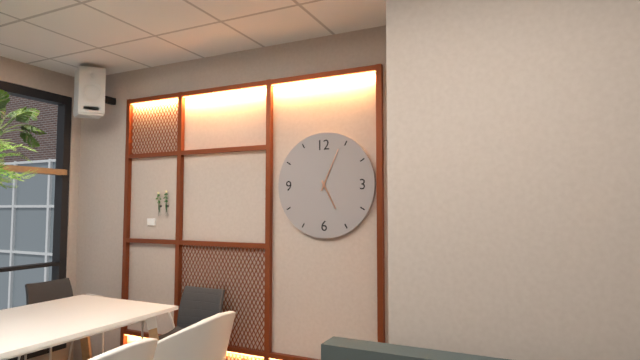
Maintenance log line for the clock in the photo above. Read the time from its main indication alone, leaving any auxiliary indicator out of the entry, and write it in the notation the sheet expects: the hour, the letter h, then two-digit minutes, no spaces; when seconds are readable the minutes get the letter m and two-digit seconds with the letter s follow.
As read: 5h04
